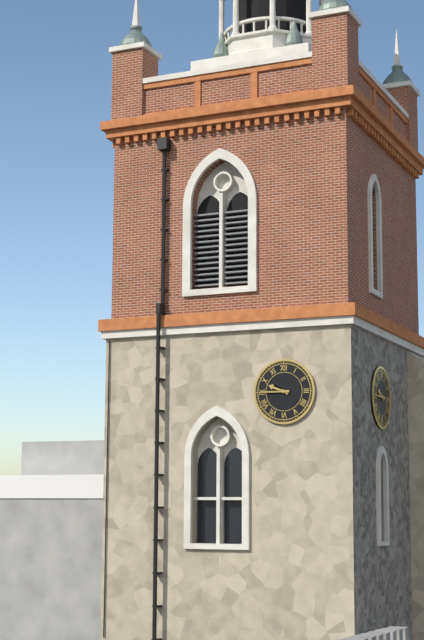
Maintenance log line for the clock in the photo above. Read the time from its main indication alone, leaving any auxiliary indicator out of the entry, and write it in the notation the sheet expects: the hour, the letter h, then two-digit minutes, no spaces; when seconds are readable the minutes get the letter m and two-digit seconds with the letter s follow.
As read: 9h45
